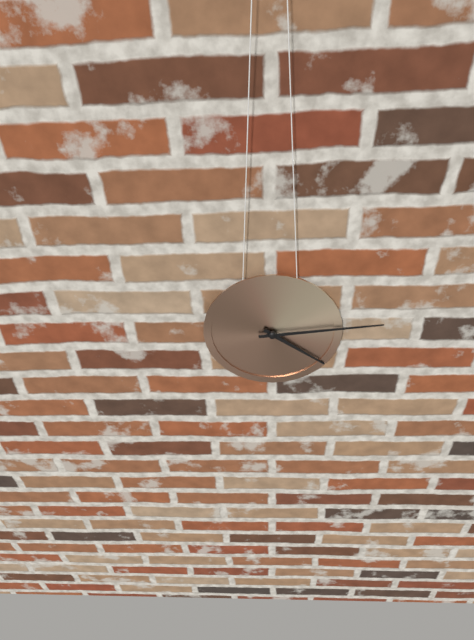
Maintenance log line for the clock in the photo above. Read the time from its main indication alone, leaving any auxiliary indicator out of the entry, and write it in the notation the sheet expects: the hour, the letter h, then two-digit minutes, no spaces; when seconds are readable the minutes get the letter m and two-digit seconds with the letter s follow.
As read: 4h14
